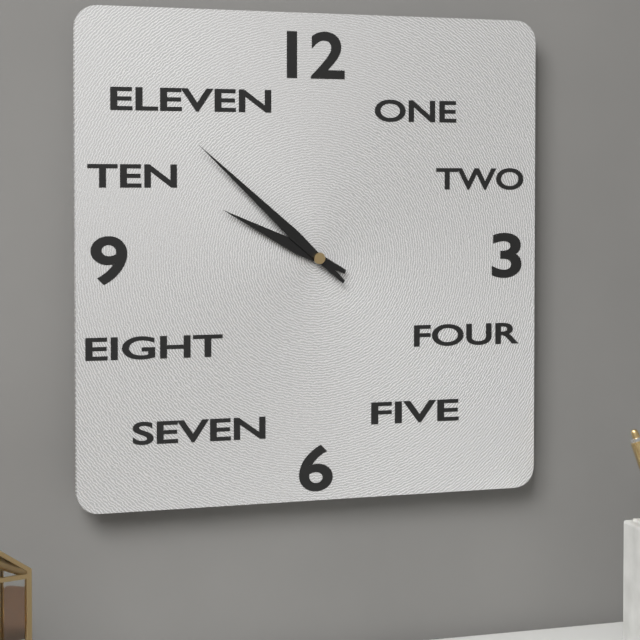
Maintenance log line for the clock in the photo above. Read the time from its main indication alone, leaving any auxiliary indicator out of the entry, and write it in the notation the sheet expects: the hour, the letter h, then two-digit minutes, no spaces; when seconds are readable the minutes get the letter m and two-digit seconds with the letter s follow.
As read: 9h52
